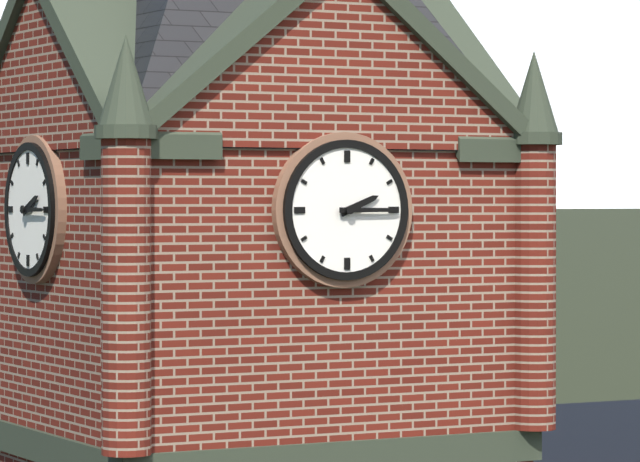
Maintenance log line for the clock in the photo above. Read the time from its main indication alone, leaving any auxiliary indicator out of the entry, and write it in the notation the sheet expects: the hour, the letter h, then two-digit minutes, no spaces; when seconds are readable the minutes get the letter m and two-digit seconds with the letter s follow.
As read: 2h15
